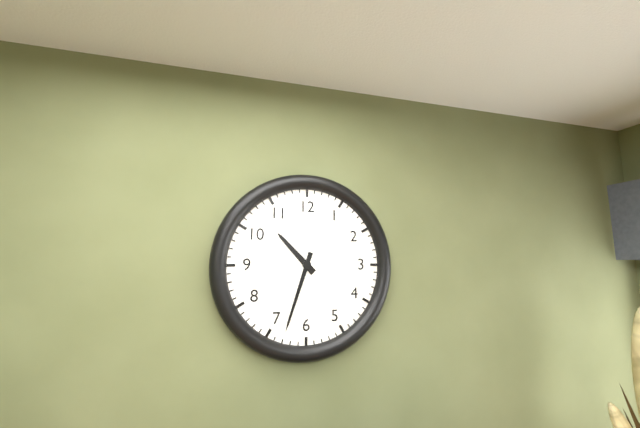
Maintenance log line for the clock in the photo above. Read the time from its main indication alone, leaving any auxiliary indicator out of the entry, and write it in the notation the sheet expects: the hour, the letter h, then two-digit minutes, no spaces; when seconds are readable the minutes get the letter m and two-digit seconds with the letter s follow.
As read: 10h33
